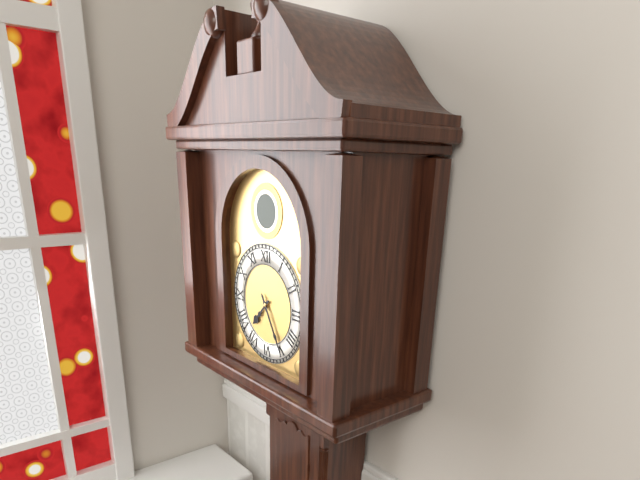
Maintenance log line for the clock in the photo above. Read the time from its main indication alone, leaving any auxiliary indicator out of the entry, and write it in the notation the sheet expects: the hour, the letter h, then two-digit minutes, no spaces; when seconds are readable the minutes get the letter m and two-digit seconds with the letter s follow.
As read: 7h25
